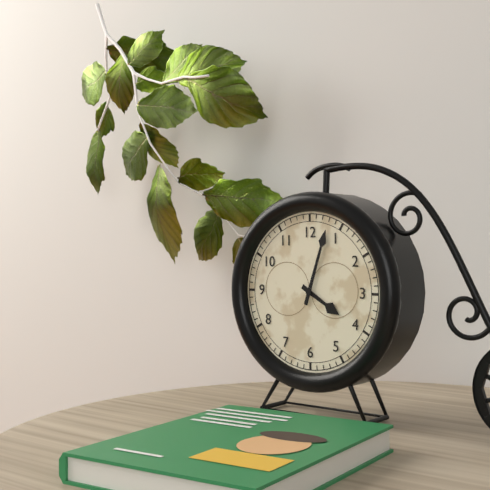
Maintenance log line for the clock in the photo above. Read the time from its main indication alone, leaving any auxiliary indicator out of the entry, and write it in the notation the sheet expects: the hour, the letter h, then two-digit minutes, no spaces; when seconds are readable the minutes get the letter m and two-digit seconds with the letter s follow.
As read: 4h03
